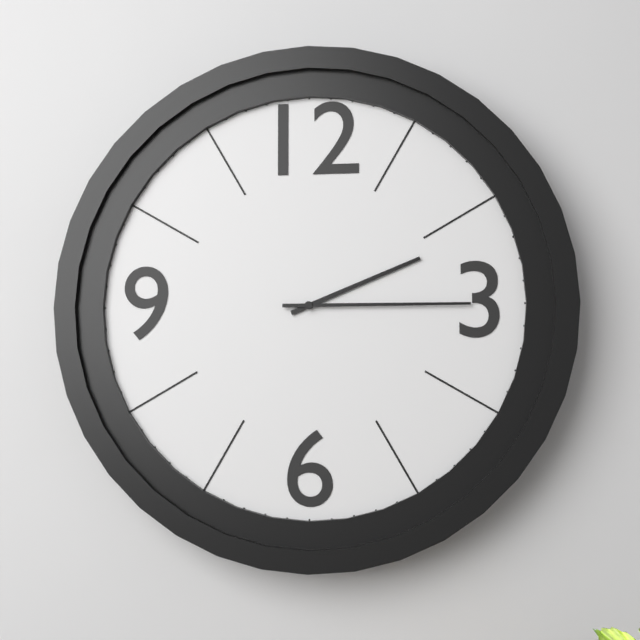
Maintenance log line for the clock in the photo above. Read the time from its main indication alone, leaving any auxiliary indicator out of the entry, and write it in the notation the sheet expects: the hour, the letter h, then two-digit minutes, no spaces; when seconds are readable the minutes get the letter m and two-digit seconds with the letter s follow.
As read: 2h15
